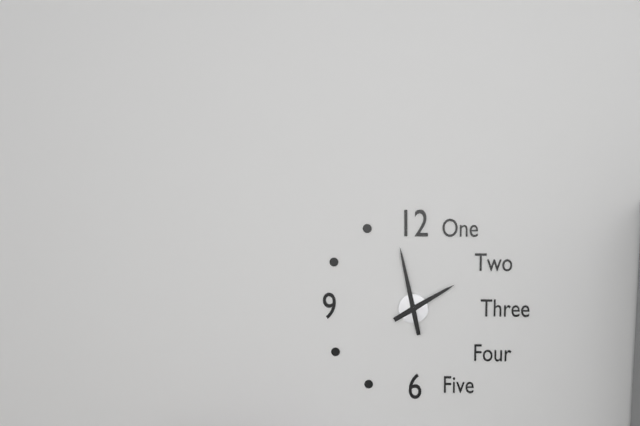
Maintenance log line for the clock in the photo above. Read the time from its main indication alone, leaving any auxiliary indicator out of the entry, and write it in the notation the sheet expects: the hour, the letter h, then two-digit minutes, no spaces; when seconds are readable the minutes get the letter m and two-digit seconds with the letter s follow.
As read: 1h58
